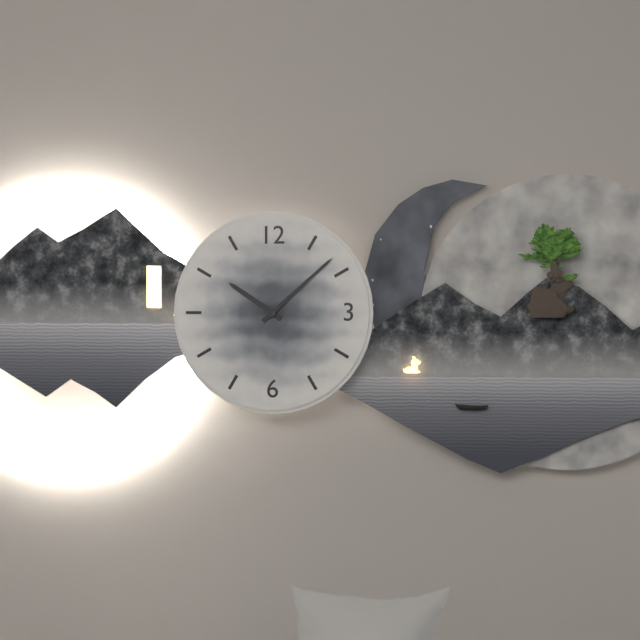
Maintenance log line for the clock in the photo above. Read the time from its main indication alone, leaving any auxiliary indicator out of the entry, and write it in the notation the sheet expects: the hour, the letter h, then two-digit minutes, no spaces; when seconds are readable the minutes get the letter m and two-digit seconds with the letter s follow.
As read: 10h08
